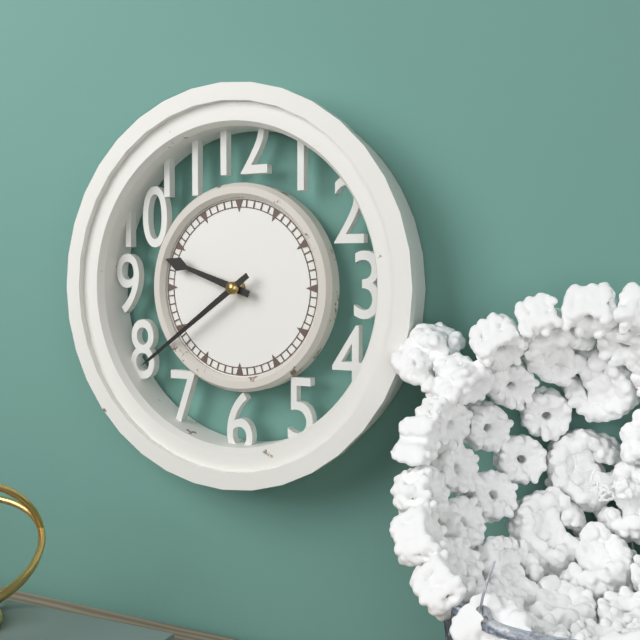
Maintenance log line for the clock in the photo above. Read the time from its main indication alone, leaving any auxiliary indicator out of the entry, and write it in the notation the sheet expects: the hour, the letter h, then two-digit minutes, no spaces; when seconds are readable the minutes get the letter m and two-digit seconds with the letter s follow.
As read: 9h39
